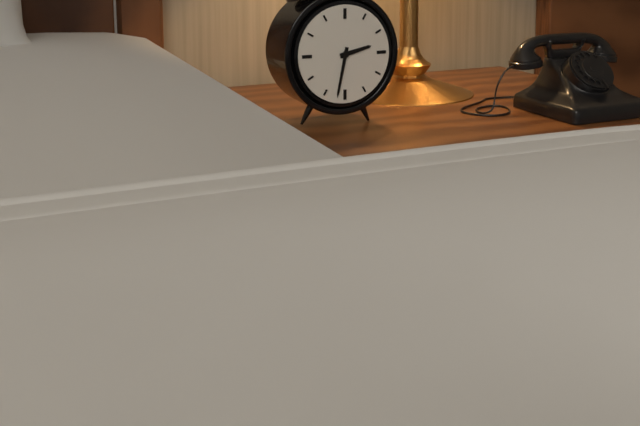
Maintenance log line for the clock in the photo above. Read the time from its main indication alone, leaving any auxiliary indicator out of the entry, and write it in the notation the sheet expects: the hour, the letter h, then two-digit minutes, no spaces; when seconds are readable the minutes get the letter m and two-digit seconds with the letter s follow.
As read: 2h32
